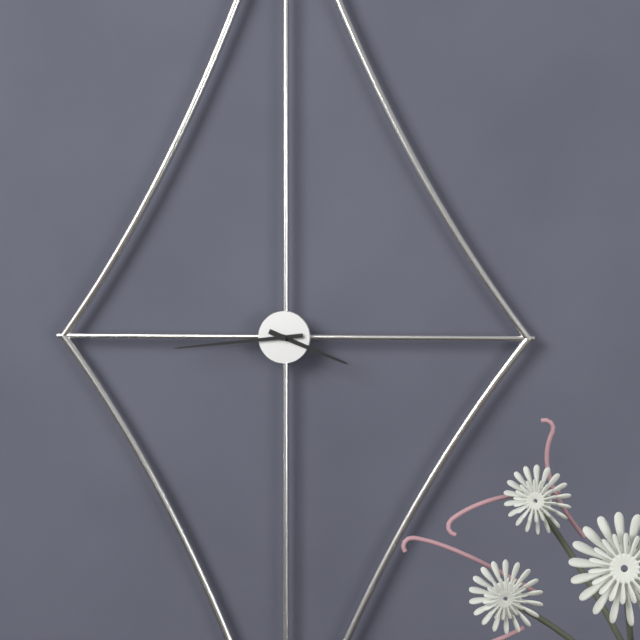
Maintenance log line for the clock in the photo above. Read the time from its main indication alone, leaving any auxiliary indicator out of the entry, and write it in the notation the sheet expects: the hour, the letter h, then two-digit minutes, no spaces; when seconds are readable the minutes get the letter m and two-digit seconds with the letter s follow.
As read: 3h44
